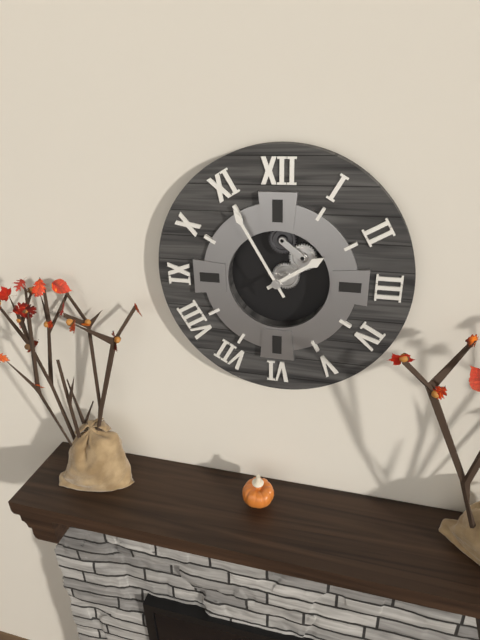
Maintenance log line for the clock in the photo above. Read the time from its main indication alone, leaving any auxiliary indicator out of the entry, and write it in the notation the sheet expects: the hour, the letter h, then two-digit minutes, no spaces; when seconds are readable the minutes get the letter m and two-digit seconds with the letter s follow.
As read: 1h55
